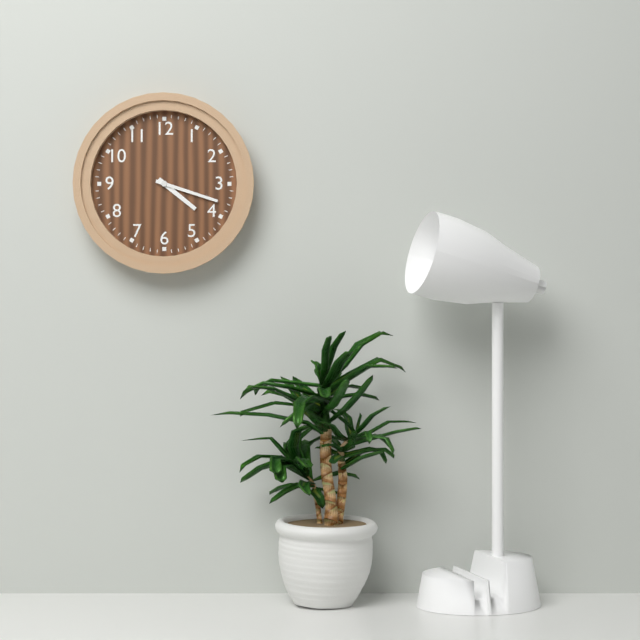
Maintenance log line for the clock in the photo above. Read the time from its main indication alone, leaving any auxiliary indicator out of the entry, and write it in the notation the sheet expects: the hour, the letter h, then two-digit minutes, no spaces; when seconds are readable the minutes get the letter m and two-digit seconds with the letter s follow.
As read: 4h18
